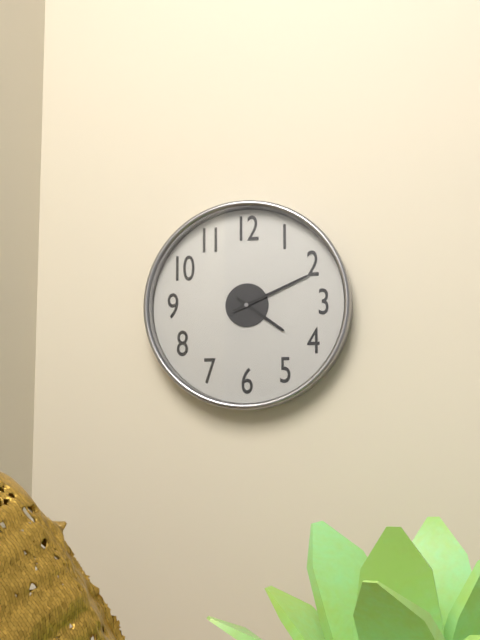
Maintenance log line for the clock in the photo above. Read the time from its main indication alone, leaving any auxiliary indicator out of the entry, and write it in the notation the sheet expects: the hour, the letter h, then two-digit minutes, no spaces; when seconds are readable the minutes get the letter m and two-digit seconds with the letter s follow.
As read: 4h11
